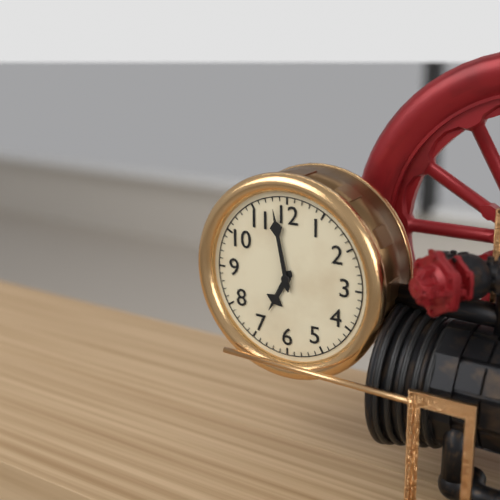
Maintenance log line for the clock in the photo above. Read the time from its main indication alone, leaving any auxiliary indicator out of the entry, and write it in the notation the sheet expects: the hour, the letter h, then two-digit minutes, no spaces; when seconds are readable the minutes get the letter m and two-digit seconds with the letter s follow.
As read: 6h58
